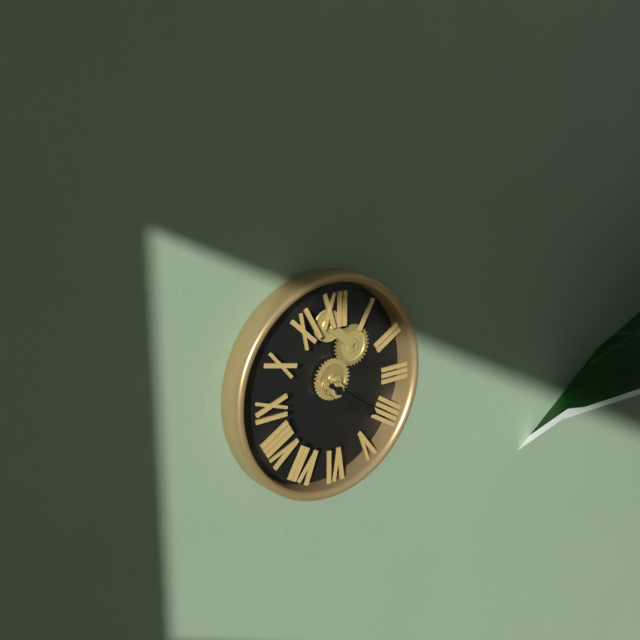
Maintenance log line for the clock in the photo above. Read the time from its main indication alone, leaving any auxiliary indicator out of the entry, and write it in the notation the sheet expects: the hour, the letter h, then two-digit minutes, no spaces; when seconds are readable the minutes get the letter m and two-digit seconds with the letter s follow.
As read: 4h21
